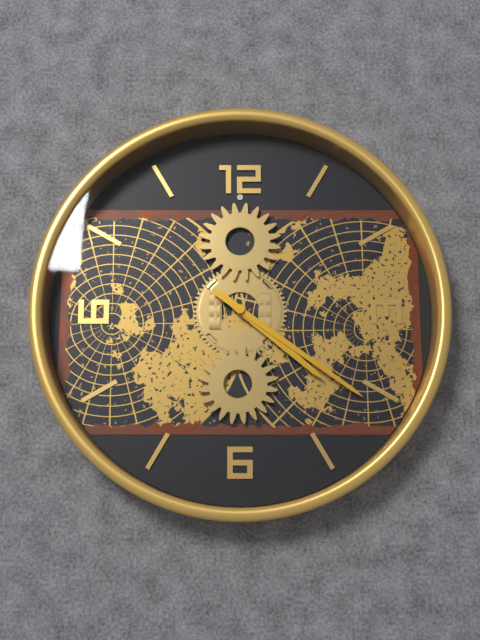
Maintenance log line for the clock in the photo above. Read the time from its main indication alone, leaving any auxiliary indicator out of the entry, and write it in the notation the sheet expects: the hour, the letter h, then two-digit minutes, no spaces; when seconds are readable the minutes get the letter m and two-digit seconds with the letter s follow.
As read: 4h21
